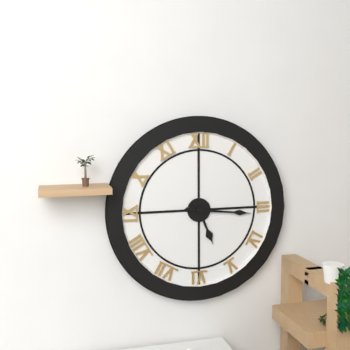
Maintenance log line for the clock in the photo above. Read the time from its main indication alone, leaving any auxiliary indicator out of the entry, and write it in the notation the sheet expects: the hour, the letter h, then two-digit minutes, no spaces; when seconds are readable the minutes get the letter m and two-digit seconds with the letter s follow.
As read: 5h16
